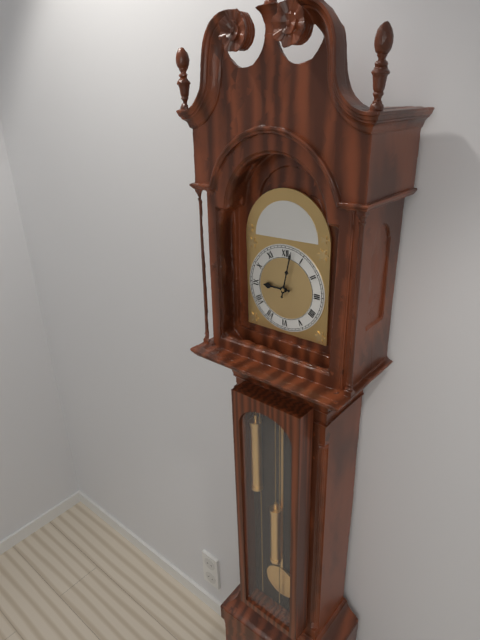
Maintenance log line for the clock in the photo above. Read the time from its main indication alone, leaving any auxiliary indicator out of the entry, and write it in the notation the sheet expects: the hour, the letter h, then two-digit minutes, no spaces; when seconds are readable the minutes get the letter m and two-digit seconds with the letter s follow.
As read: 9h02
